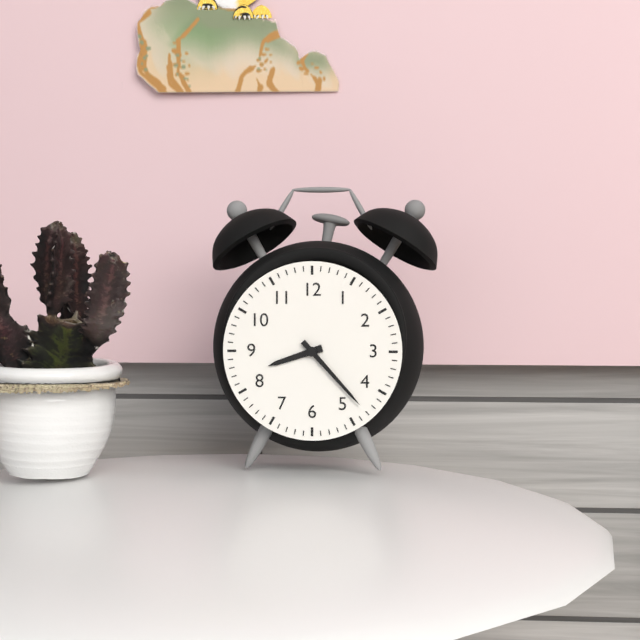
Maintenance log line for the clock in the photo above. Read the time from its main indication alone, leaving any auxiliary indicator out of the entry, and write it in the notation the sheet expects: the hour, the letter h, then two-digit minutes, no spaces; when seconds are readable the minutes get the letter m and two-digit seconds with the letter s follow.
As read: 8h23
